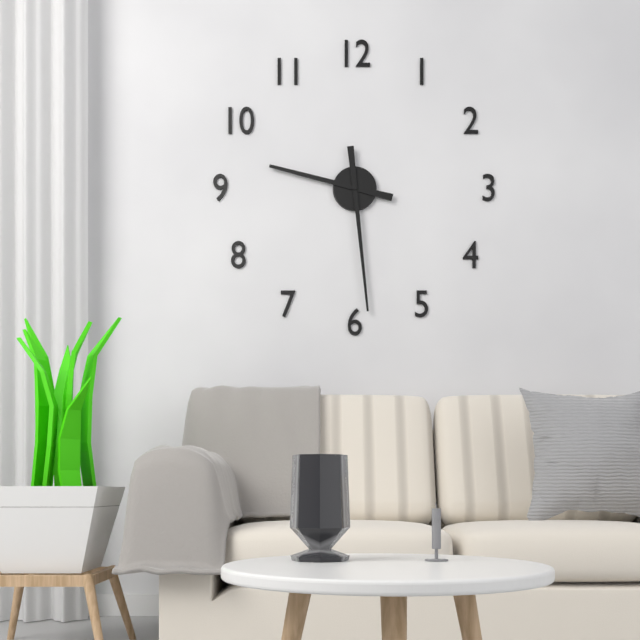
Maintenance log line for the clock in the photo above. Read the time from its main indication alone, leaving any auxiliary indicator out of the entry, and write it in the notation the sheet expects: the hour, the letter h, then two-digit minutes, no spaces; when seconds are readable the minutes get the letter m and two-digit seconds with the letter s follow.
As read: 9h29
